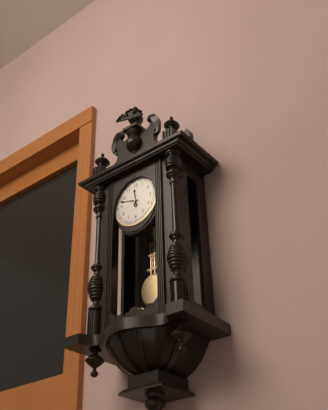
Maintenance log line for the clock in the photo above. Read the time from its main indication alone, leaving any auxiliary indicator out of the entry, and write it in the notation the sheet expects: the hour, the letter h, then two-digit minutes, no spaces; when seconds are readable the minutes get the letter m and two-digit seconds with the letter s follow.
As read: 11h48
